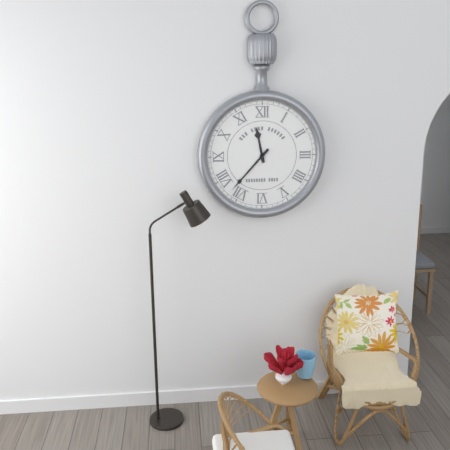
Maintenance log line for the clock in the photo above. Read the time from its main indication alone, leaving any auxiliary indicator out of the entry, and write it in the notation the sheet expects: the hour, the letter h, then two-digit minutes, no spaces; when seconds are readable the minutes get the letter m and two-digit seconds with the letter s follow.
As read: 11h37
